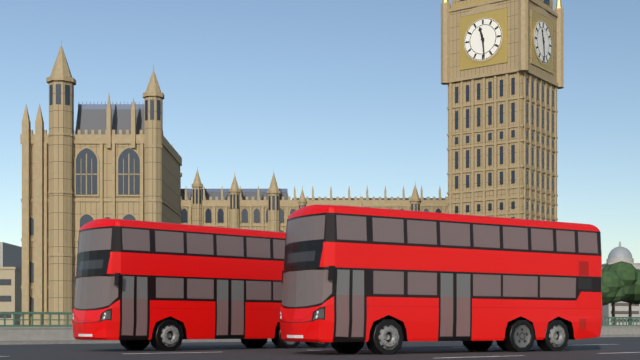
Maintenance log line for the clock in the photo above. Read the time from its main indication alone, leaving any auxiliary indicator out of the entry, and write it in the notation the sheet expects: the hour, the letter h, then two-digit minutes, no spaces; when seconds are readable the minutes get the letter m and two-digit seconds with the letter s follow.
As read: 11h29
